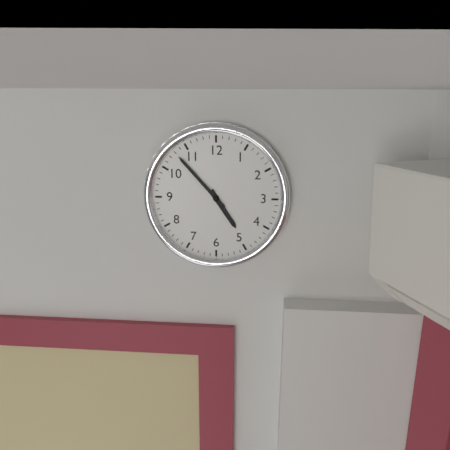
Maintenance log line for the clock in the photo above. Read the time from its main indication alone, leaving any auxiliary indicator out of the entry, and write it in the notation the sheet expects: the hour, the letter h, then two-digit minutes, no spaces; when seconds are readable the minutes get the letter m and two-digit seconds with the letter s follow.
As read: 4h53
